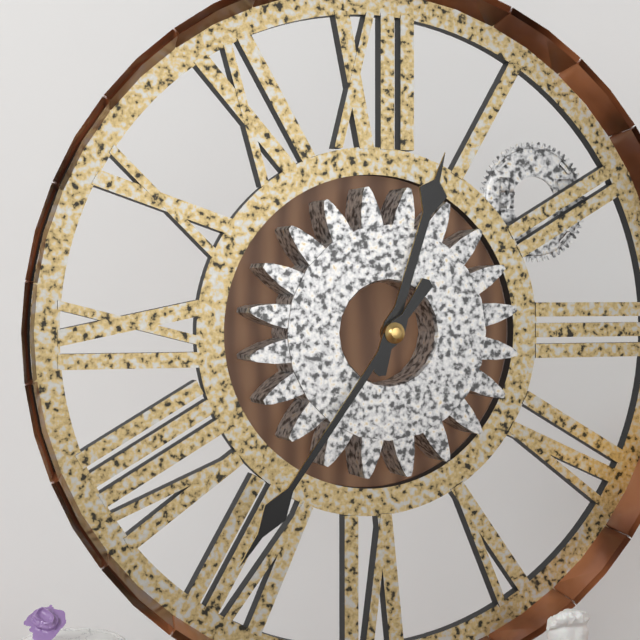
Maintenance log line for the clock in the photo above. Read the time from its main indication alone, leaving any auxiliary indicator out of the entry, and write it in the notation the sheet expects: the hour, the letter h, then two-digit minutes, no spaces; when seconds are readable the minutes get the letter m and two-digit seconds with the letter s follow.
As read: 12h36
